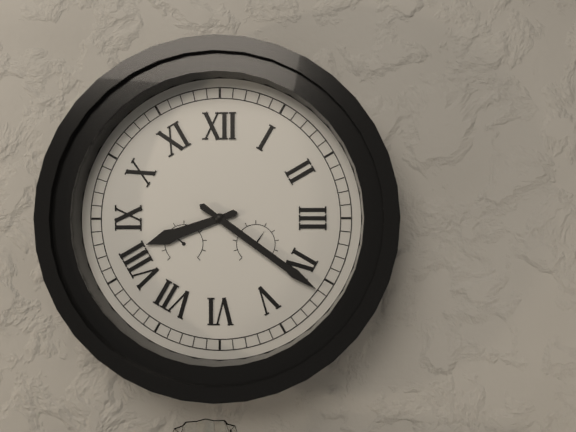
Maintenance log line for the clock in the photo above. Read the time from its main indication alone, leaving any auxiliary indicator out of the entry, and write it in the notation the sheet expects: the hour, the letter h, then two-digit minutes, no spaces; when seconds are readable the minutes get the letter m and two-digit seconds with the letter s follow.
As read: 8h21
